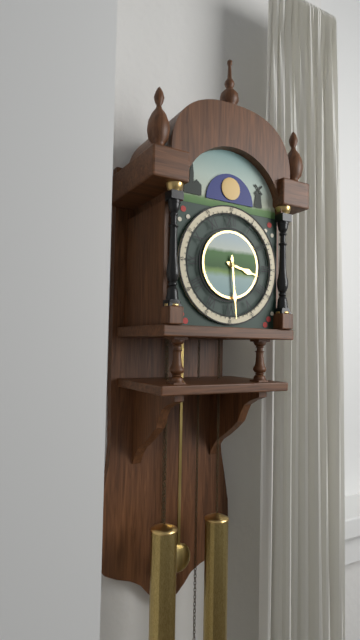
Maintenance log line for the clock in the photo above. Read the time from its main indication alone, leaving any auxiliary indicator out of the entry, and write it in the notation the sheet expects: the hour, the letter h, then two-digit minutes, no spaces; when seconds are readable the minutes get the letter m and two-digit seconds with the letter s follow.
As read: 3h29
